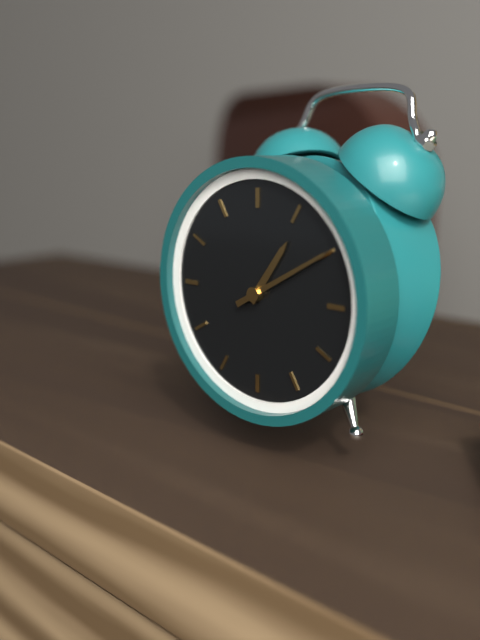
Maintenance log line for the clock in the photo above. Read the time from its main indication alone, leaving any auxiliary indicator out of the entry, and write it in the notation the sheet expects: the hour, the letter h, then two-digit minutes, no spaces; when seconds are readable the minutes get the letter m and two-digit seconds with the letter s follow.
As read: 1h10
